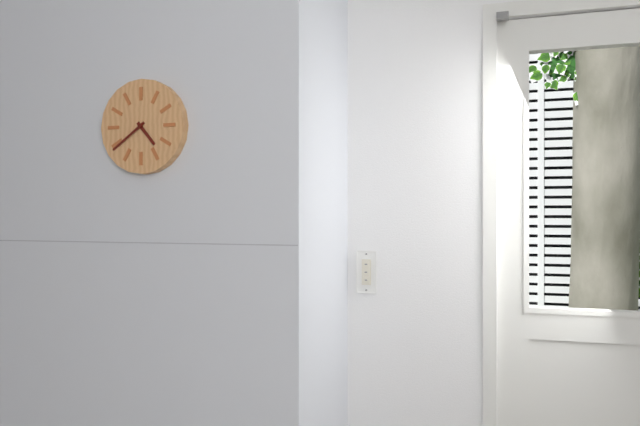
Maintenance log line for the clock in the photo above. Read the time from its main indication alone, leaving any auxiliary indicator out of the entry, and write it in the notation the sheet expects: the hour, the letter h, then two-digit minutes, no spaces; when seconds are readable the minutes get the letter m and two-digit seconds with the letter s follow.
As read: 4h39
